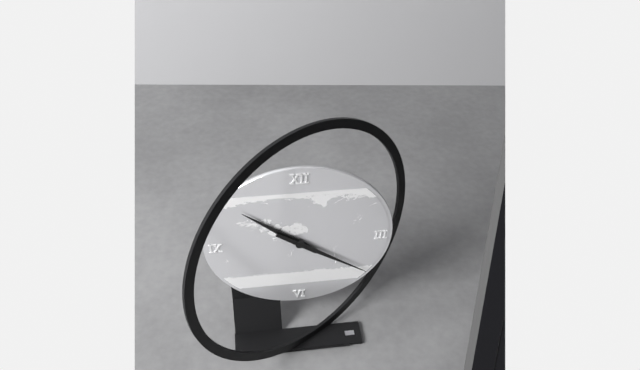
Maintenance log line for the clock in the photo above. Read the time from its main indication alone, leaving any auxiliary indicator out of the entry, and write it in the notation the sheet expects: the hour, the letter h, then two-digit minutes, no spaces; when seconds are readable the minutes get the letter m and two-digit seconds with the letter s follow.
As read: 10h21
